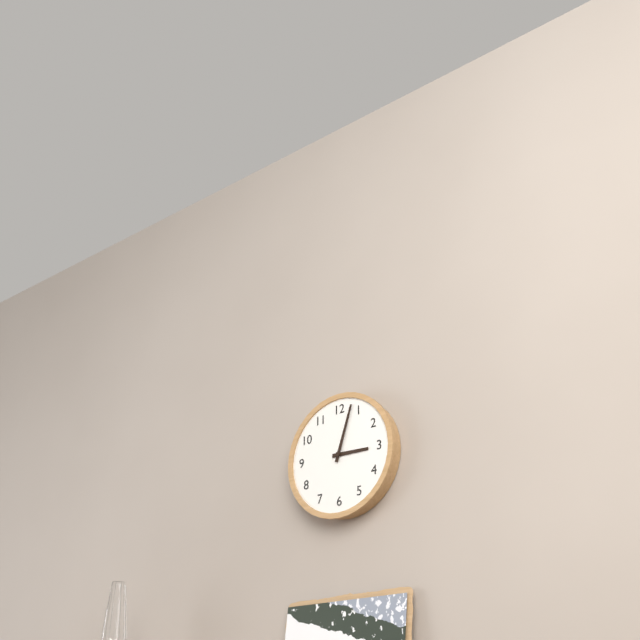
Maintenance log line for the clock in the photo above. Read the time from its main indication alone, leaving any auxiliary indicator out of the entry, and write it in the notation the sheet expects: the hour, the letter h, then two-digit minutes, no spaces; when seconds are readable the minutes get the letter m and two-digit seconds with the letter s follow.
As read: 3h03
